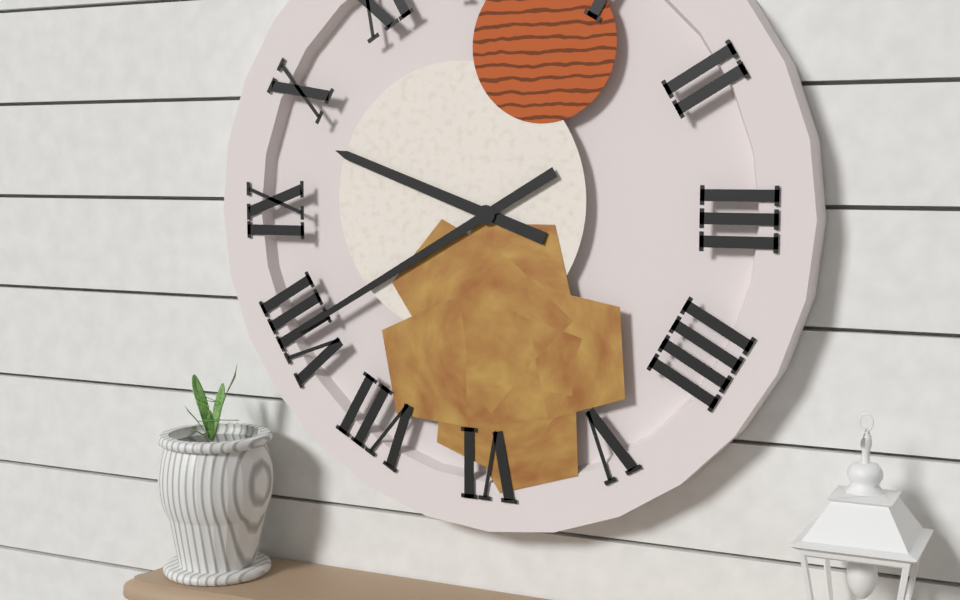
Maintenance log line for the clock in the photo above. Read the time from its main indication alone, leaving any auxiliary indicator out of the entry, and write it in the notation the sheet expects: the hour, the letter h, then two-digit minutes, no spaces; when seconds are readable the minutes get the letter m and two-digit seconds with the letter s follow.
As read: 9h40
